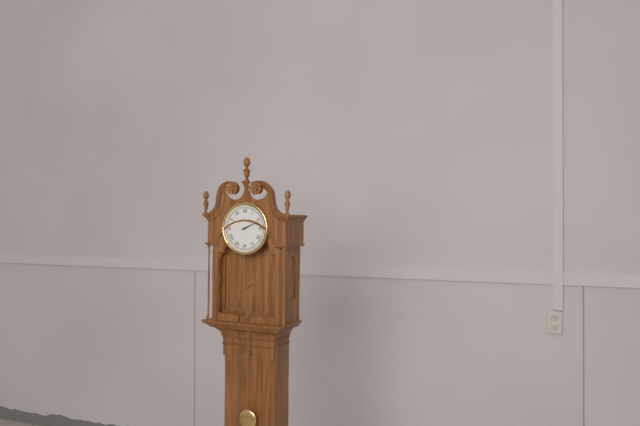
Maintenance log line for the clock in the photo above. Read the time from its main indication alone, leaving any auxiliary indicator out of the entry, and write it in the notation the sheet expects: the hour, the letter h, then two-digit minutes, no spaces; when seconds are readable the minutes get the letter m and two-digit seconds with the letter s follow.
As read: 2h11
